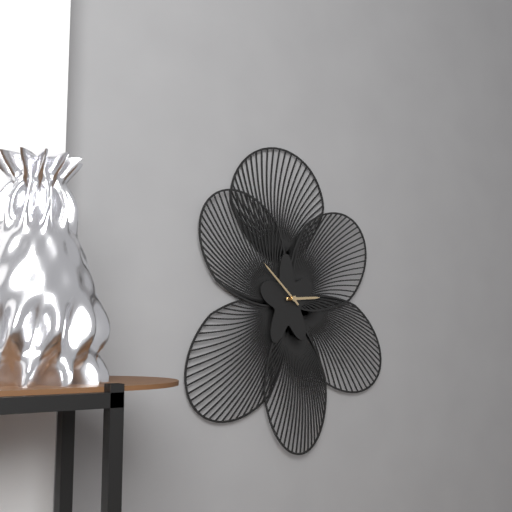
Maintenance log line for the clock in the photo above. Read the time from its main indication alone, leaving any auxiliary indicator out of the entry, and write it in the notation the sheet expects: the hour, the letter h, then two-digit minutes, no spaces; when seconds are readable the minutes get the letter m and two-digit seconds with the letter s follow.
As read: 2h52
